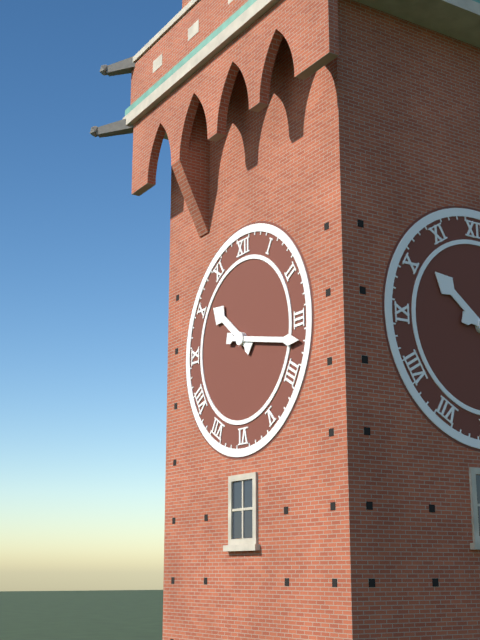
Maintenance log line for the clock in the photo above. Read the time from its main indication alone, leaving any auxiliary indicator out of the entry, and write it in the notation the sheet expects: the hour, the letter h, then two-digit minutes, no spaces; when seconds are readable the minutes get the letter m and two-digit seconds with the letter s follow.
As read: 10h17
